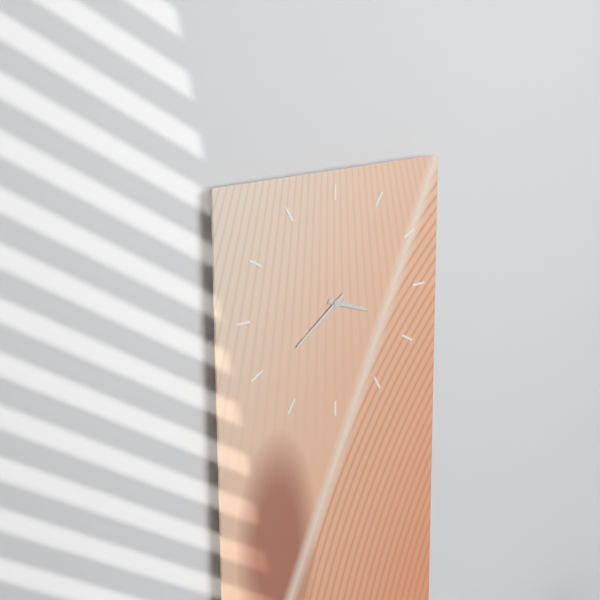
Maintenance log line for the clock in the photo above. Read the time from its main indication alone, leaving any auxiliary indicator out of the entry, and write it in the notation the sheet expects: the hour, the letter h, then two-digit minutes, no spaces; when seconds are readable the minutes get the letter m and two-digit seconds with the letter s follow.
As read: 3h39
